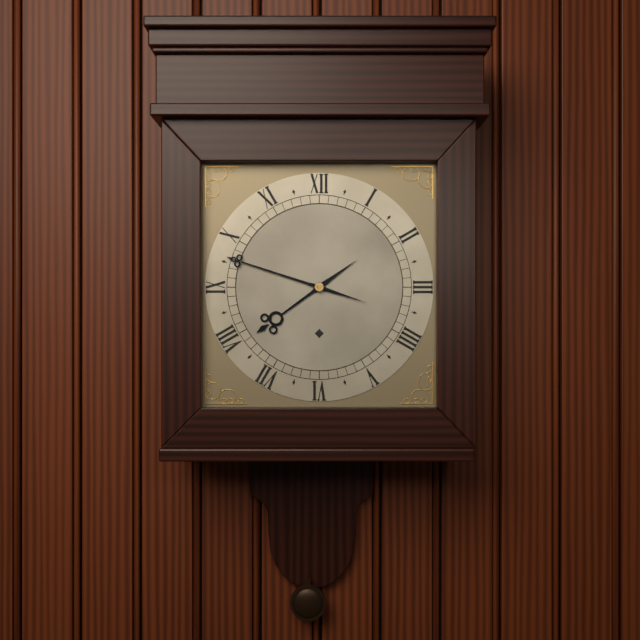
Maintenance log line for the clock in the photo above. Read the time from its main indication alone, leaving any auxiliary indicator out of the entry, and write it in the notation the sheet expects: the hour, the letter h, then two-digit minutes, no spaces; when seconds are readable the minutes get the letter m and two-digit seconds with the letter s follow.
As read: 7h48
